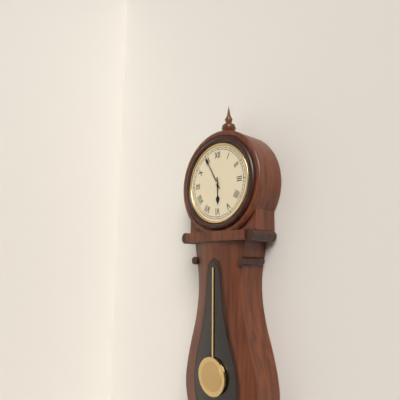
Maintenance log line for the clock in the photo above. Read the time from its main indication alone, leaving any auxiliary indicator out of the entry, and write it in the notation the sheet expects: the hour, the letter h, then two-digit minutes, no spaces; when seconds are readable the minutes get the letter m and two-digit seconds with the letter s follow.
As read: 5h55
